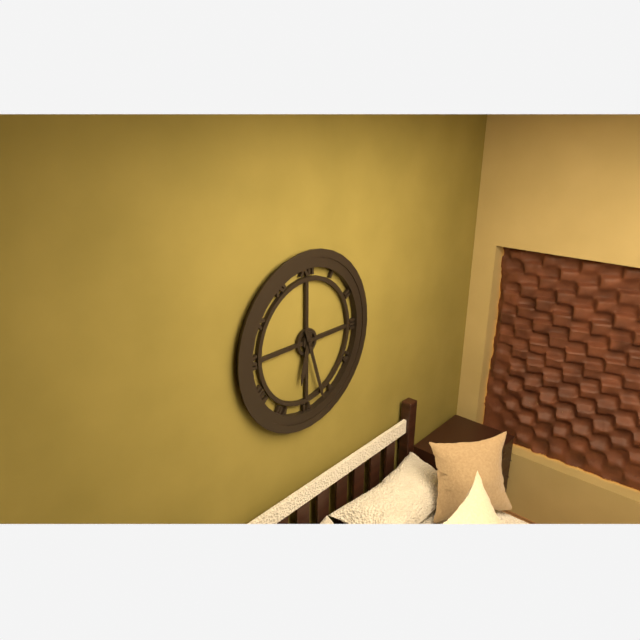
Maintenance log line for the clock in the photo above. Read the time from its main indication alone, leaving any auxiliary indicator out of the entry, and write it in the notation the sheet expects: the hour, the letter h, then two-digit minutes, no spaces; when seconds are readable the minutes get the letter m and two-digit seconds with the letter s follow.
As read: 6h27
